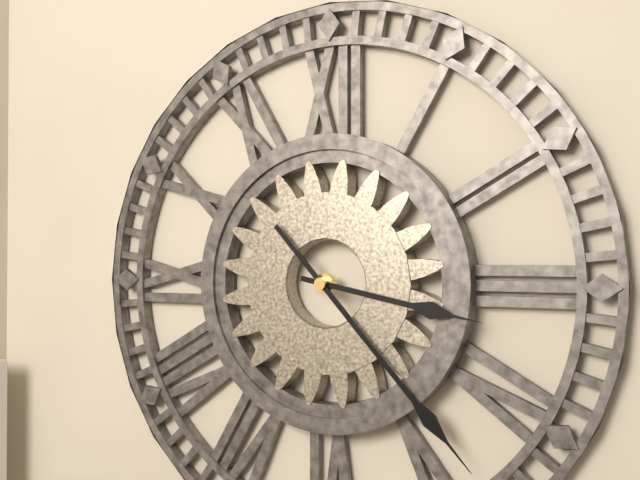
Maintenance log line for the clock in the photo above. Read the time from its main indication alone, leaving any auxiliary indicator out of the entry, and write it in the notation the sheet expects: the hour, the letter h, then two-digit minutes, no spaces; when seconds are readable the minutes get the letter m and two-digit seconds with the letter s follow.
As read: 3h23
